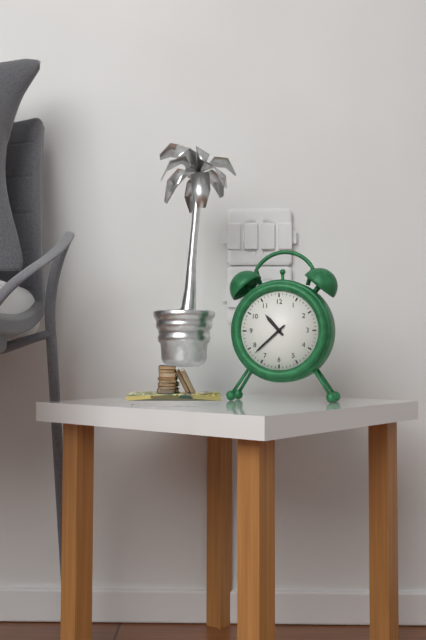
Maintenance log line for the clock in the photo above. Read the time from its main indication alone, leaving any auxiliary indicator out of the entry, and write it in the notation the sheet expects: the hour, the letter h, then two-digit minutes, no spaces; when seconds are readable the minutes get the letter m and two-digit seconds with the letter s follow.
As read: 10h38
